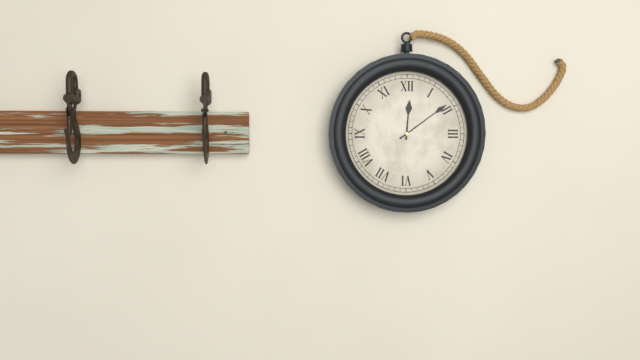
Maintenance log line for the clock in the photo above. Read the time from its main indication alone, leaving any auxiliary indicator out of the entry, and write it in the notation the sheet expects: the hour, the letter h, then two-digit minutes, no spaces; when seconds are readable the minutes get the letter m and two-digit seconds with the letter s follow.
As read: 12h09
